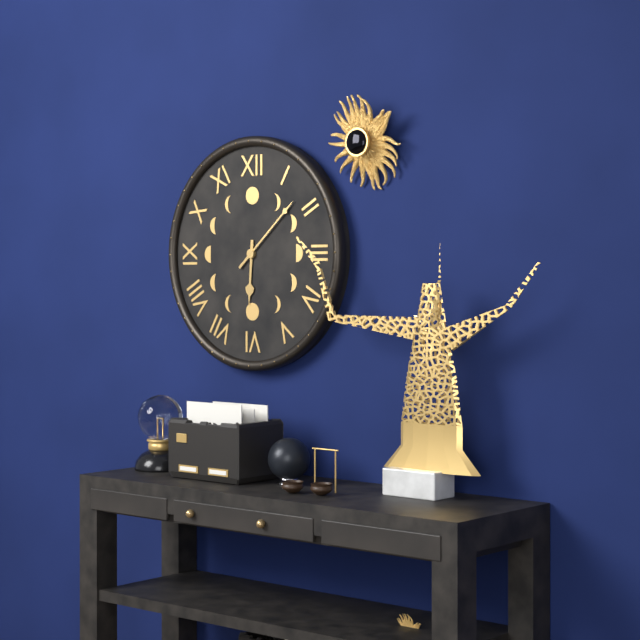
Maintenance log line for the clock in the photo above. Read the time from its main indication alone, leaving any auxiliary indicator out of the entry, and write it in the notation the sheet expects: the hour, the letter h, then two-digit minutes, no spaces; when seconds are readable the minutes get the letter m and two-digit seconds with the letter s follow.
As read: 6h08
